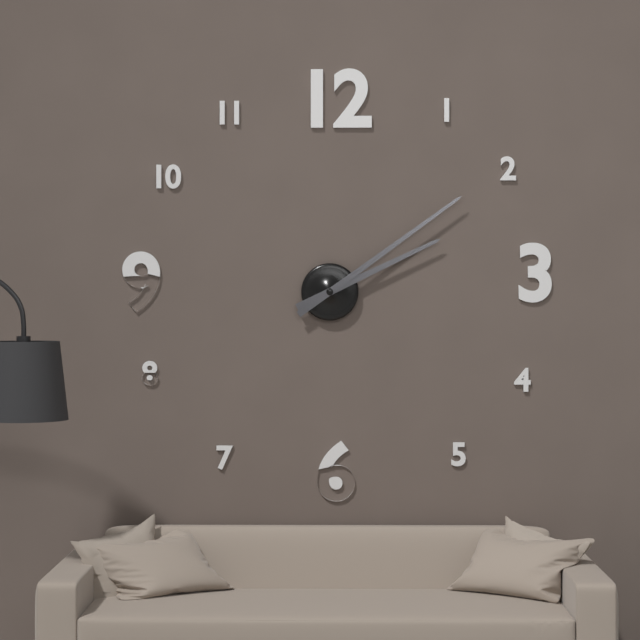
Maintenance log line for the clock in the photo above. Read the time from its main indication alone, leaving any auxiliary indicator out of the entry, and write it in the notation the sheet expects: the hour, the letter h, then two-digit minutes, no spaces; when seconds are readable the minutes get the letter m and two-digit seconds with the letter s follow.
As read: 2h09
